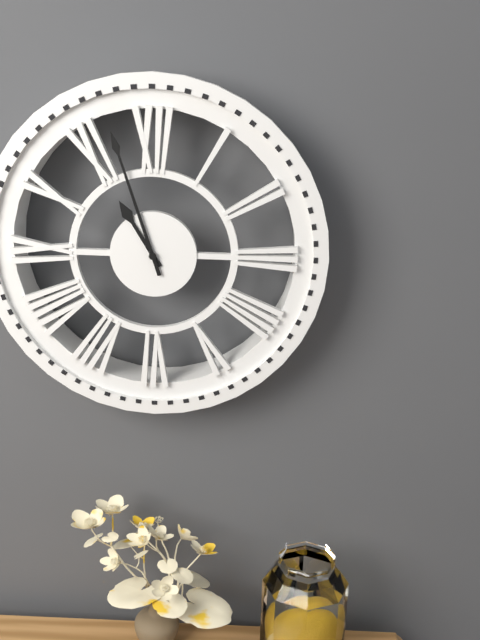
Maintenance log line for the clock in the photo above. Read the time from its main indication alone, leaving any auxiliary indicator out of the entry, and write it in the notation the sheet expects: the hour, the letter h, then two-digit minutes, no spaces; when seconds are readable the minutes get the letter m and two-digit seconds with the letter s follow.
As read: 10h57
